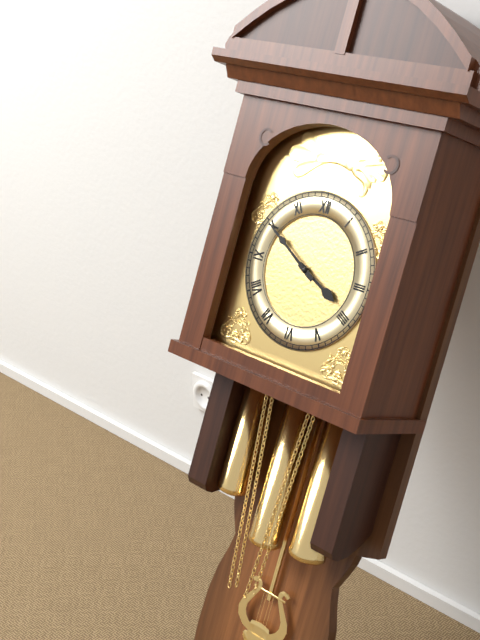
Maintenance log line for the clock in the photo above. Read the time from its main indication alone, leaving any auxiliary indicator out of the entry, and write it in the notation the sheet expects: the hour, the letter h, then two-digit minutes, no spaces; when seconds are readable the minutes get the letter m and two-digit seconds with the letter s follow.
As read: 3h50
